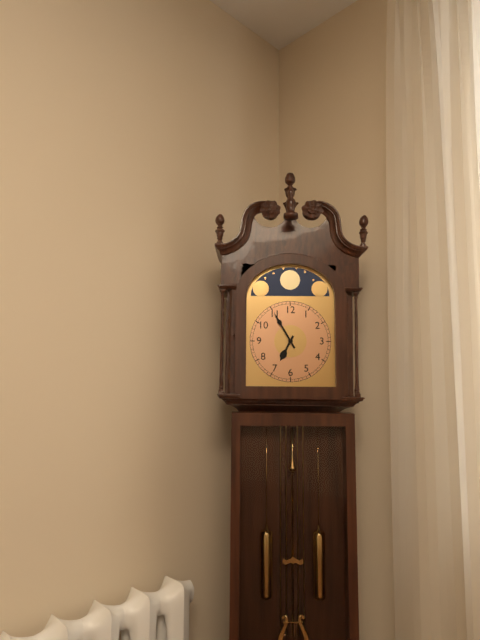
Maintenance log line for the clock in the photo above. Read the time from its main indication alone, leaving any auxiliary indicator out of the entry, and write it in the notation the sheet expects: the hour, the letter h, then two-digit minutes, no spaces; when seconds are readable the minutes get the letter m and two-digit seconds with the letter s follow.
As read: 6h55
